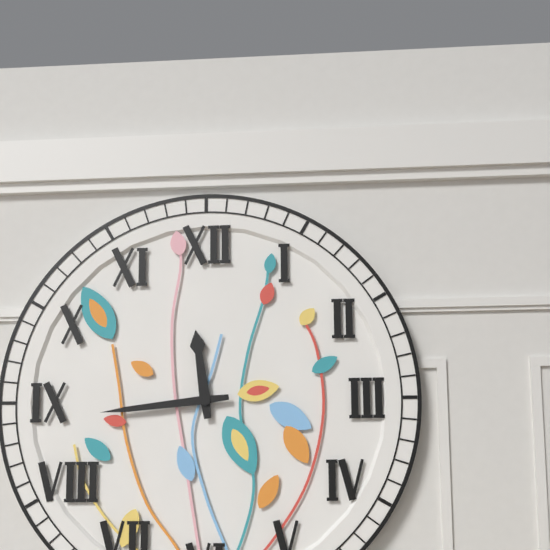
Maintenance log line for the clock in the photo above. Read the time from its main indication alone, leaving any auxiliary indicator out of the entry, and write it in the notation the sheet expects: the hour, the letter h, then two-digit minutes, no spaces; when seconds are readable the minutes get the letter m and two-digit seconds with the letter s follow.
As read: 11h44
